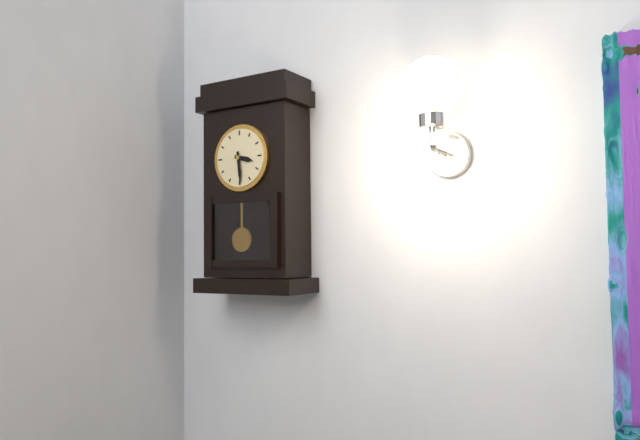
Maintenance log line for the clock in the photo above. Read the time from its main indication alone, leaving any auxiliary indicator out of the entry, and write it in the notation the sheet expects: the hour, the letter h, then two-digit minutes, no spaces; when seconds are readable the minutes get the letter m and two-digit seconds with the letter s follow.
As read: 3h29
